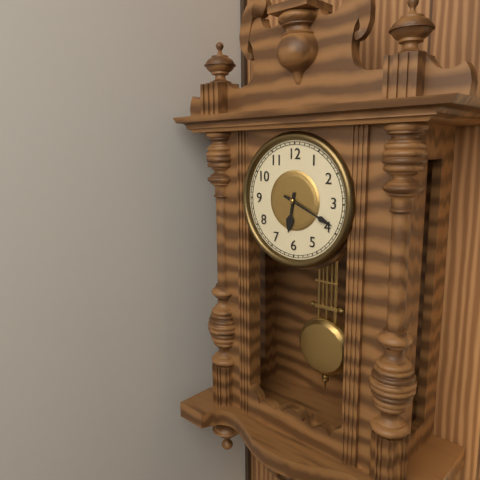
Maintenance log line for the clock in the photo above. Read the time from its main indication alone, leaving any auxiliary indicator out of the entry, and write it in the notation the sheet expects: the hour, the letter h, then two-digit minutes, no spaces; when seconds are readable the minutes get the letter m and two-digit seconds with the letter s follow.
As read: 6h19
